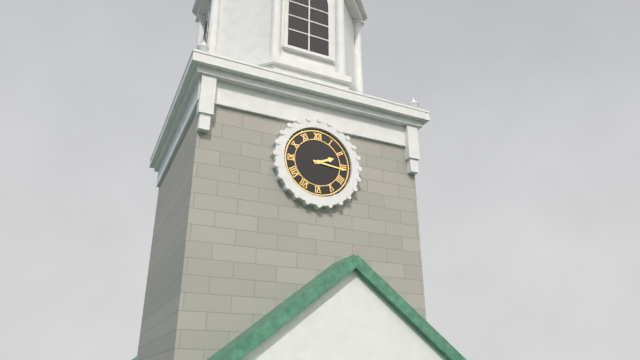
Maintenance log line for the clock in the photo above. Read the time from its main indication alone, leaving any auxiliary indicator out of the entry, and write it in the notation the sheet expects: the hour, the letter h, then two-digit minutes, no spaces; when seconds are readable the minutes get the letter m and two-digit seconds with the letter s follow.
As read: 2h16
